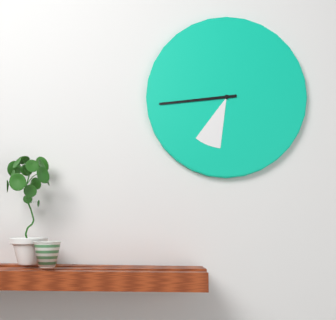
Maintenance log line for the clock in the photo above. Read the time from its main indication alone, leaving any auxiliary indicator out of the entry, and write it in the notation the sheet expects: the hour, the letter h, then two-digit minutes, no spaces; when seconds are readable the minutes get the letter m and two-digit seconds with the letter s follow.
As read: 6h44
